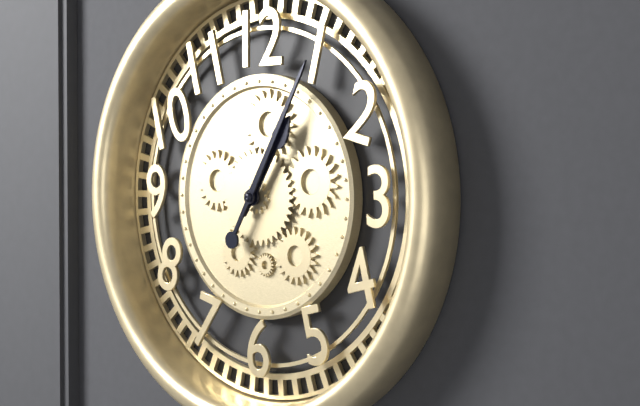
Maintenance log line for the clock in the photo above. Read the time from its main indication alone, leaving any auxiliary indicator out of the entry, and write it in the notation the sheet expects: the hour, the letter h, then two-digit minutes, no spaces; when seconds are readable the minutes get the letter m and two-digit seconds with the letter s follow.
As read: 1h05
